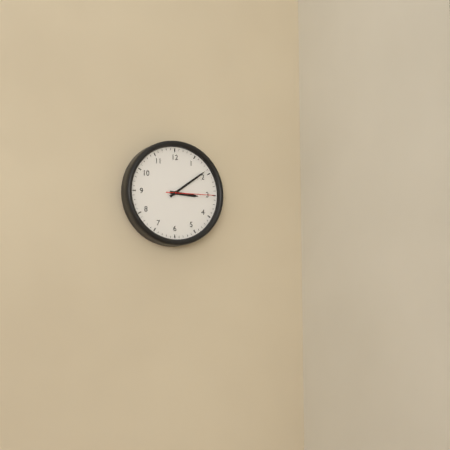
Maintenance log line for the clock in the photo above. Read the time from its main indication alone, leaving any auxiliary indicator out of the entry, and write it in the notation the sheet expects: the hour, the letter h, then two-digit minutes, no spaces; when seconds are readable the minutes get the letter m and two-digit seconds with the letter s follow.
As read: 3h09
